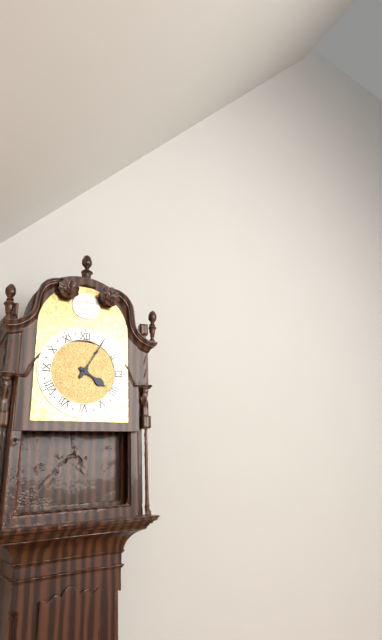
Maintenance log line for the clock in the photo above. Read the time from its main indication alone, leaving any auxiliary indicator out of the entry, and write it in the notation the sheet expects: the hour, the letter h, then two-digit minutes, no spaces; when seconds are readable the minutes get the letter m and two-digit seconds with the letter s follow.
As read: 4h05
